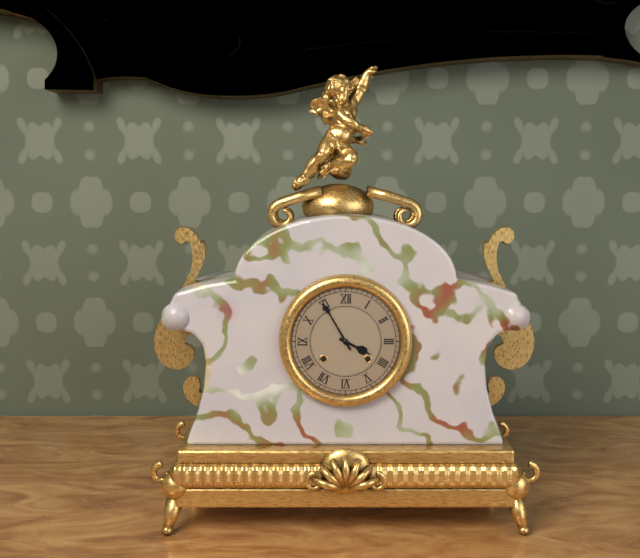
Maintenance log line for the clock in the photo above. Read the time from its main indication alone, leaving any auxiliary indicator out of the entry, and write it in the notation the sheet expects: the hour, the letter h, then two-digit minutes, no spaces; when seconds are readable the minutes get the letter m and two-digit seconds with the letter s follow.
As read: 3h55
